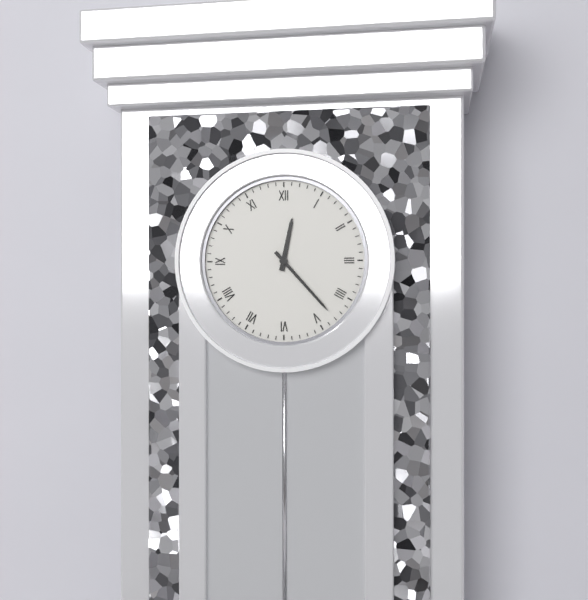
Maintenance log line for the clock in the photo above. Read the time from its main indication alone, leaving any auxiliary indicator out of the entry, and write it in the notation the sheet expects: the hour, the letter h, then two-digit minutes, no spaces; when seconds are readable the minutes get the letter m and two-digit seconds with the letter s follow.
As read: 12h23
